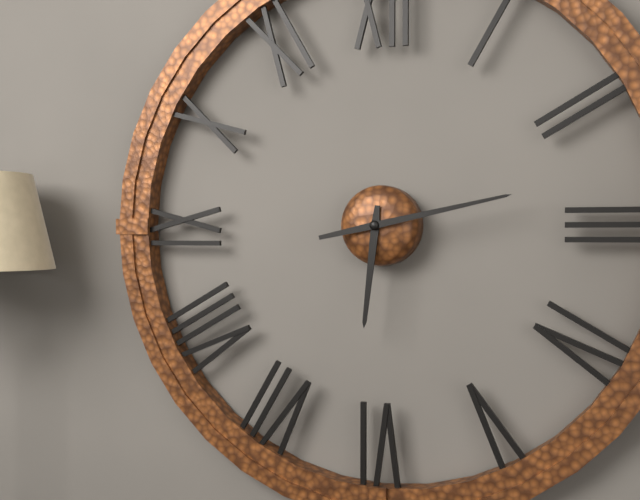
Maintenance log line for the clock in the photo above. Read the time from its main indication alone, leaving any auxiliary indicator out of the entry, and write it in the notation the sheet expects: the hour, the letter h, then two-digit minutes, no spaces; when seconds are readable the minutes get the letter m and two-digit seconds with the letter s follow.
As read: 6h13
